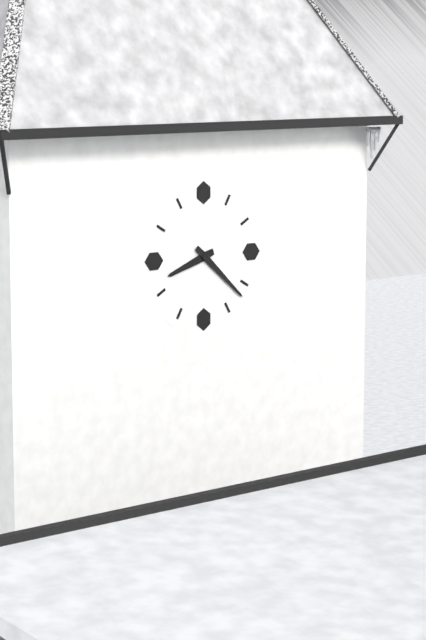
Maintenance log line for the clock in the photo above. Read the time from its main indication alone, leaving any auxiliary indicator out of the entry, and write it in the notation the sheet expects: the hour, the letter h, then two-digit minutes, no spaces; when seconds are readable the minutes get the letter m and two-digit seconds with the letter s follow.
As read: 8h22
